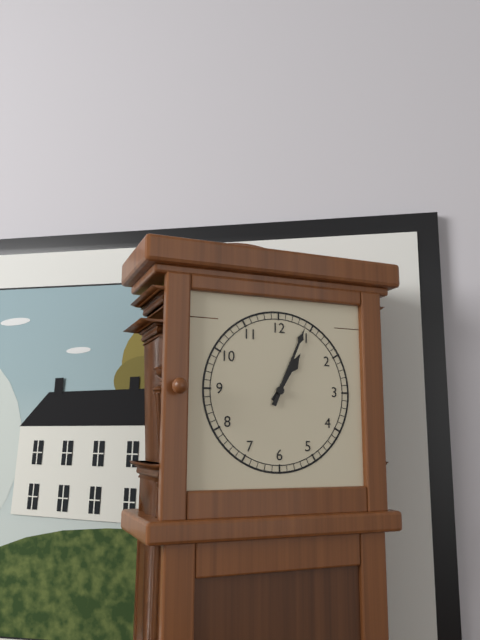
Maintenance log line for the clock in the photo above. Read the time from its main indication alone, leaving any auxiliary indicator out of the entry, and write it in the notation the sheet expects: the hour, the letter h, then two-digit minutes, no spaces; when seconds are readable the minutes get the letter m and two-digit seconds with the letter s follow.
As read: 1h04
